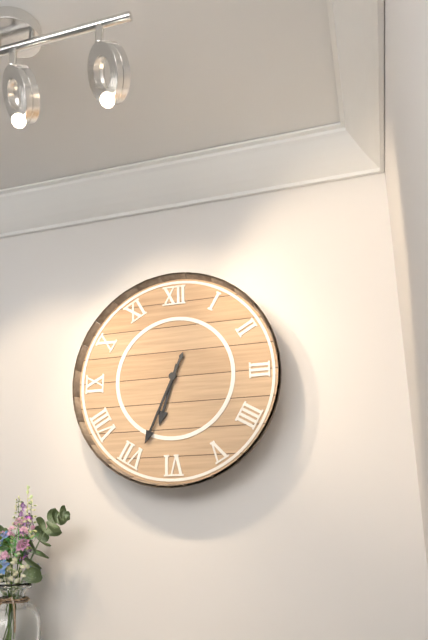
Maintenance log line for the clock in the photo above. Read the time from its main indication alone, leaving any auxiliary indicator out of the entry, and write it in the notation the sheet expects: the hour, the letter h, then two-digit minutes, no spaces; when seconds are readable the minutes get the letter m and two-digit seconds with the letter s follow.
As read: 6h34
